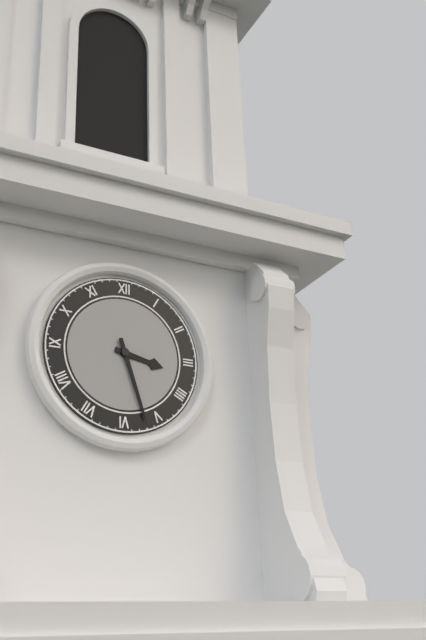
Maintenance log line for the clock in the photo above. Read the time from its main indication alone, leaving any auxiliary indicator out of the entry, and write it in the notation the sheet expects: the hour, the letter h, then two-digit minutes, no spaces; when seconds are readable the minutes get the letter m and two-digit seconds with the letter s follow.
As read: 3h27
